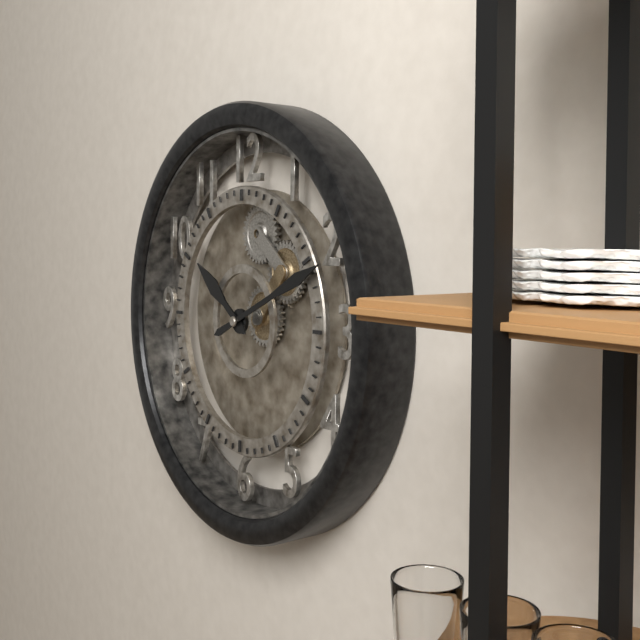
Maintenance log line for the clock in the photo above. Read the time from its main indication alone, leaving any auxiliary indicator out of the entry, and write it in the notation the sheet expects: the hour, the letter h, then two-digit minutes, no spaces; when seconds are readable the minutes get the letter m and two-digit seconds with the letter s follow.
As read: 10h11
